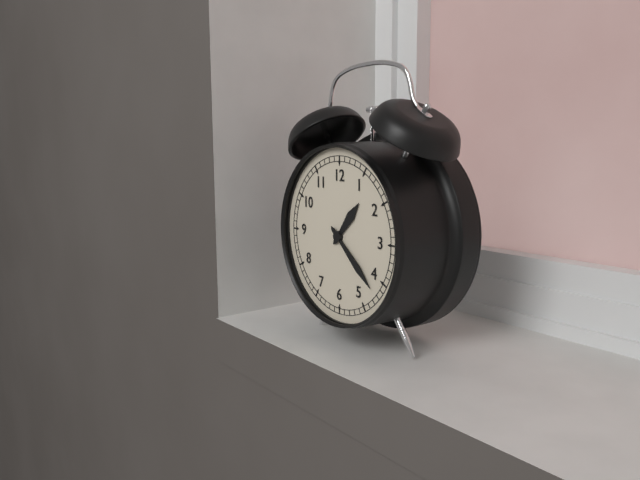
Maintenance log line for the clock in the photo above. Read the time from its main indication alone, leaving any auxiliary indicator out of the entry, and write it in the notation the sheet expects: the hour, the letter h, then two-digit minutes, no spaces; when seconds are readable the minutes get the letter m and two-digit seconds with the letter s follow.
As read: 1h22
